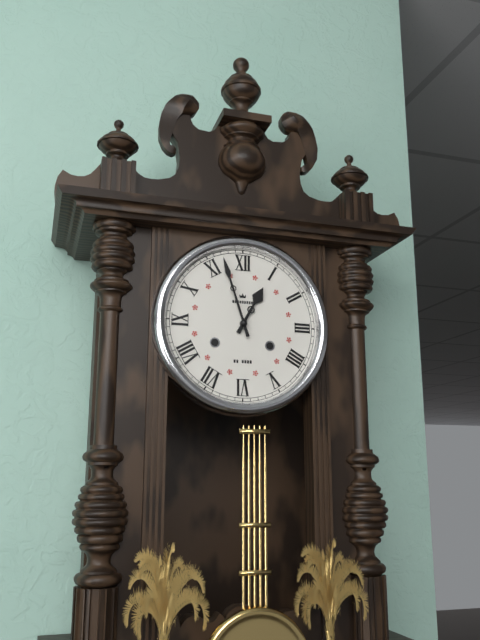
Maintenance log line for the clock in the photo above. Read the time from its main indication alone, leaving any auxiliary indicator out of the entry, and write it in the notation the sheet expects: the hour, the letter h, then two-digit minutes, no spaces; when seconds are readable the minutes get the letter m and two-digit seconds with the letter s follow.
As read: 12h57
